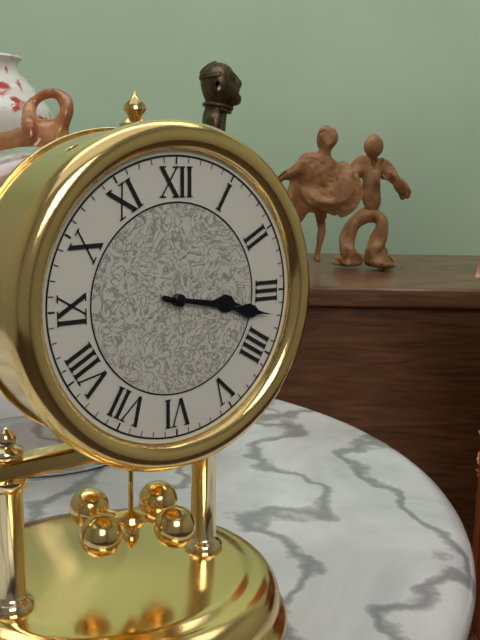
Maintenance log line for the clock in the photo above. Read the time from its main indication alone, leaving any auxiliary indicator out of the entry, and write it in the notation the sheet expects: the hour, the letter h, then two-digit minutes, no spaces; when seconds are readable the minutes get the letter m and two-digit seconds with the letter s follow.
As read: 3h17
